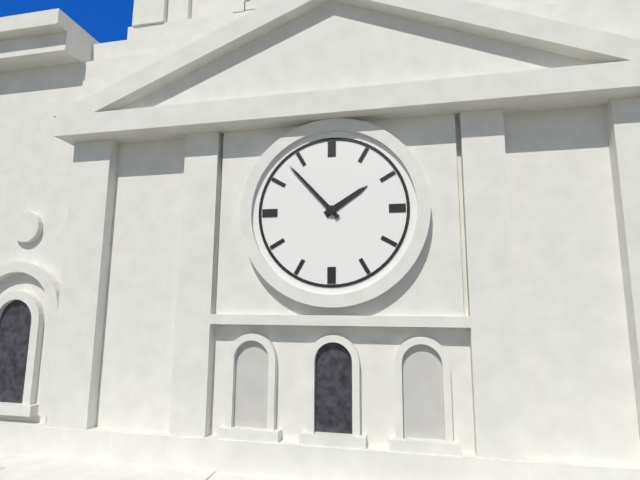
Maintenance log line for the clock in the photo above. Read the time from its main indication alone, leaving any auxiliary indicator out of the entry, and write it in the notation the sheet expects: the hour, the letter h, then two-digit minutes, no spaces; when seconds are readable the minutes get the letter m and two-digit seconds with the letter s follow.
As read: 1h53
